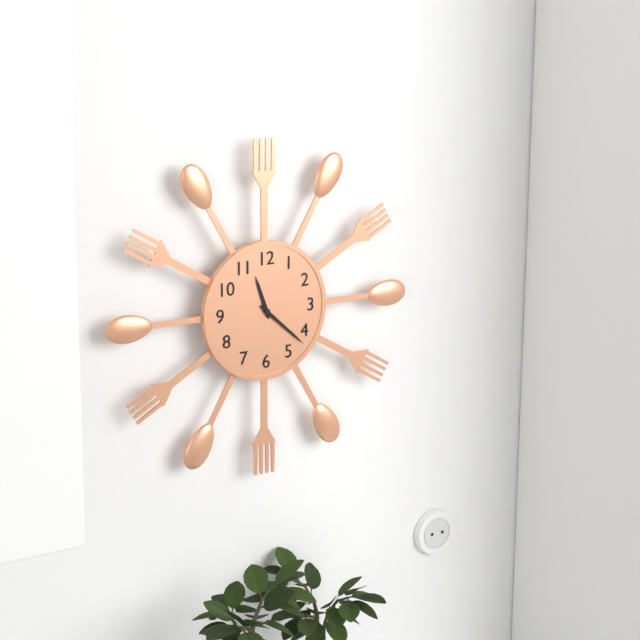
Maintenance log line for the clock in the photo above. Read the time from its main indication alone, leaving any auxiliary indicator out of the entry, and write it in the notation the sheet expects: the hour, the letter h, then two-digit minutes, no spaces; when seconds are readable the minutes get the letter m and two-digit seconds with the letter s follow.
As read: 11h22
